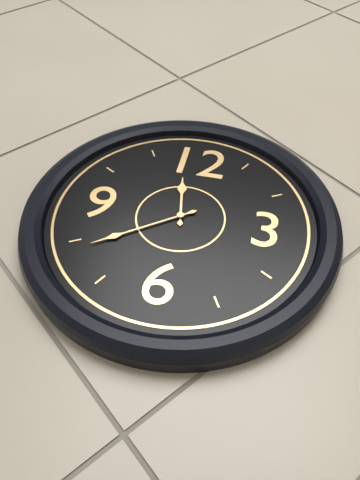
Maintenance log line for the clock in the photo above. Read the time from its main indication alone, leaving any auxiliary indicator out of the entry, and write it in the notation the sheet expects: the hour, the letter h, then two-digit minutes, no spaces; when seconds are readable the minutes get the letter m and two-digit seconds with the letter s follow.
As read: 11h39
